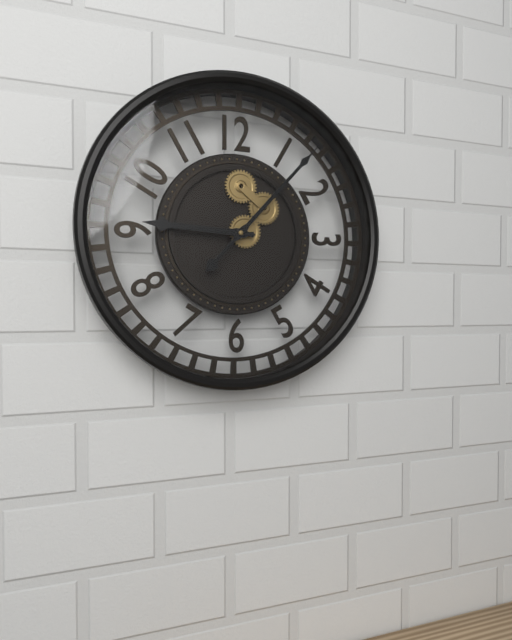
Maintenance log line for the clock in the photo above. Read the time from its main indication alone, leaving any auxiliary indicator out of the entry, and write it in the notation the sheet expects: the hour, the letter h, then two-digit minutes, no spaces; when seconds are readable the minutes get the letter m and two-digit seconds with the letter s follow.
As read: 9h07
